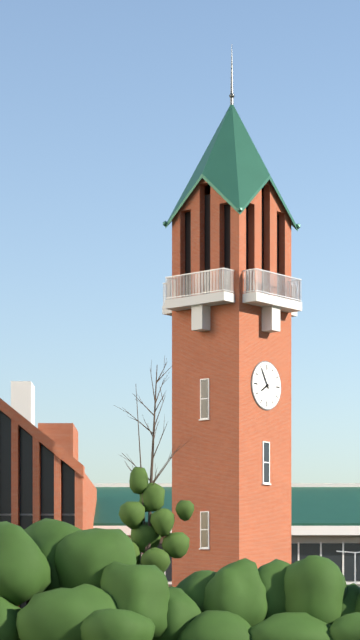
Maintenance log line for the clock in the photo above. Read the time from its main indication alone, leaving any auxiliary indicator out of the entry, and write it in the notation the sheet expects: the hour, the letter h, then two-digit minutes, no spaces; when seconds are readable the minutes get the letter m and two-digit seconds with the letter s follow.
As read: 7h55
